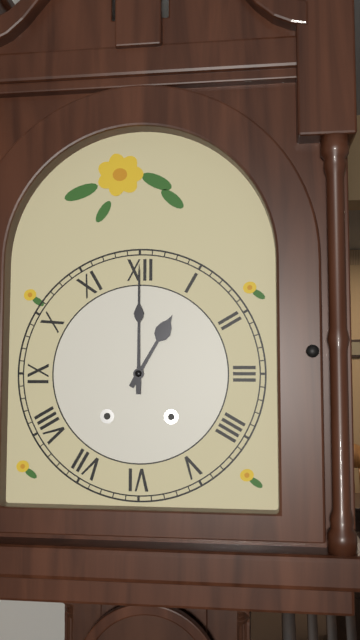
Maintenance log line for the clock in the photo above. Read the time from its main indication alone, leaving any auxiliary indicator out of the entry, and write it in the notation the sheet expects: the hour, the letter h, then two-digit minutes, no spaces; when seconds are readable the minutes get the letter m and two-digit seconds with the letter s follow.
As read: 1h00
